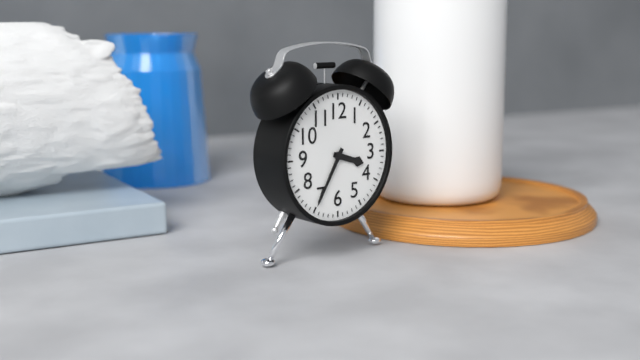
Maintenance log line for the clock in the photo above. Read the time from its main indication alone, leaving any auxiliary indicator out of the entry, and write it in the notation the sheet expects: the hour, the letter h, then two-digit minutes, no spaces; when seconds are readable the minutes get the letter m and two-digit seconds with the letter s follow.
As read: 3h35
